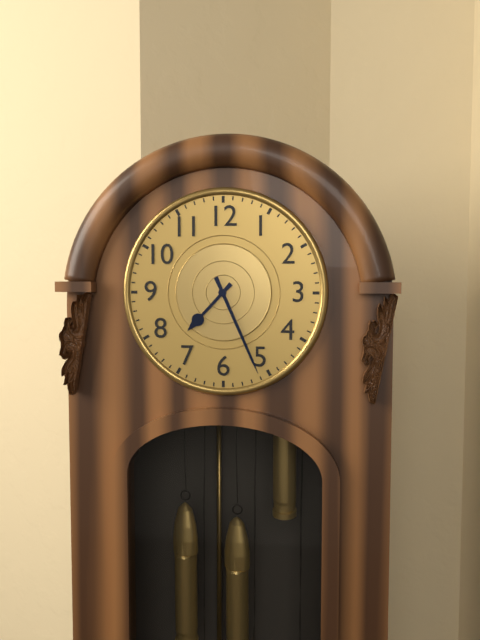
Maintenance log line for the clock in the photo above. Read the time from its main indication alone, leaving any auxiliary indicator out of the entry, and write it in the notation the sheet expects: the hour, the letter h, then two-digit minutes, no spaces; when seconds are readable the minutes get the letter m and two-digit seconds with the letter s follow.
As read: 7h26
